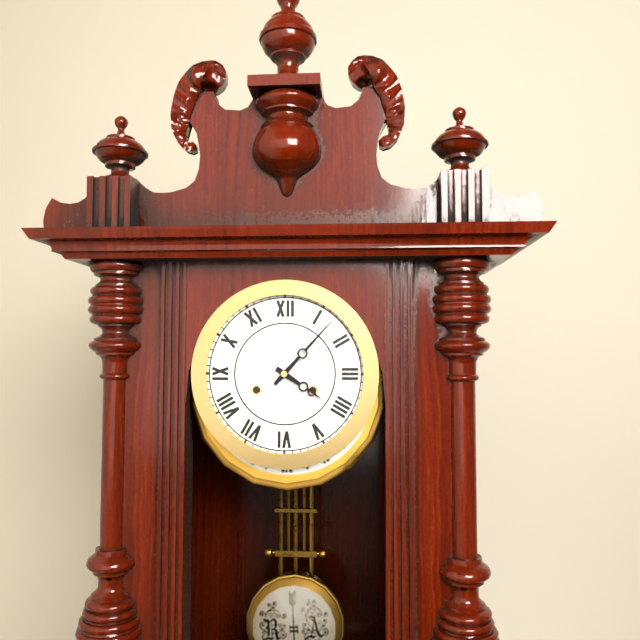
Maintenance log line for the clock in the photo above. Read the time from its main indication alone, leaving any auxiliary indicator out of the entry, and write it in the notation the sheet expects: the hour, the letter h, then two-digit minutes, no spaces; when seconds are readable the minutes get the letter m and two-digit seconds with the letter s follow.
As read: 4h07
